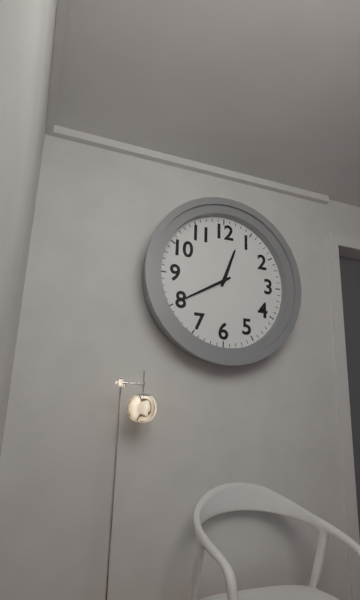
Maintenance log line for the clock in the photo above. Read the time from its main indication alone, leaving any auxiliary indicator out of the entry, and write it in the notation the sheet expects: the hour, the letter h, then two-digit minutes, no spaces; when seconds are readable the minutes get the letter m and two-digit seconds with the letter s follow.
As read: 12h40
